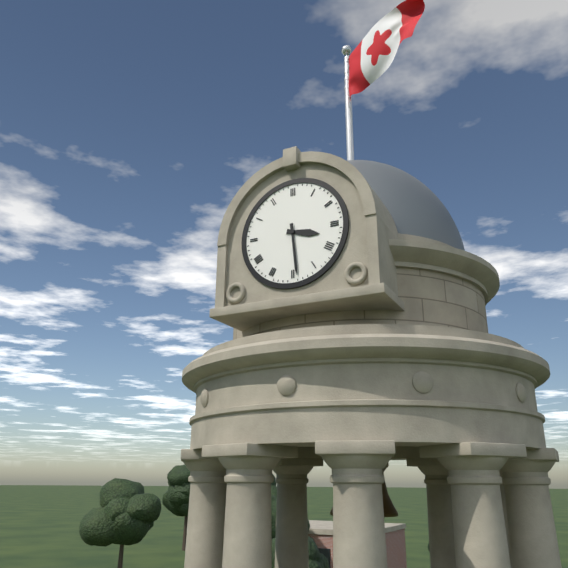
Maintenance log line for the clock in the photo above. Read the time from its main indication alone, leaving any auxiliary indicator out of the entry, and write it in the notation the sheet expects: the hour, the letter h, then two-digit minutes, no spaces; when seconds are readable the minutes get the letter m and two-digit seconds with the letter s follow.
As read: 3h29
